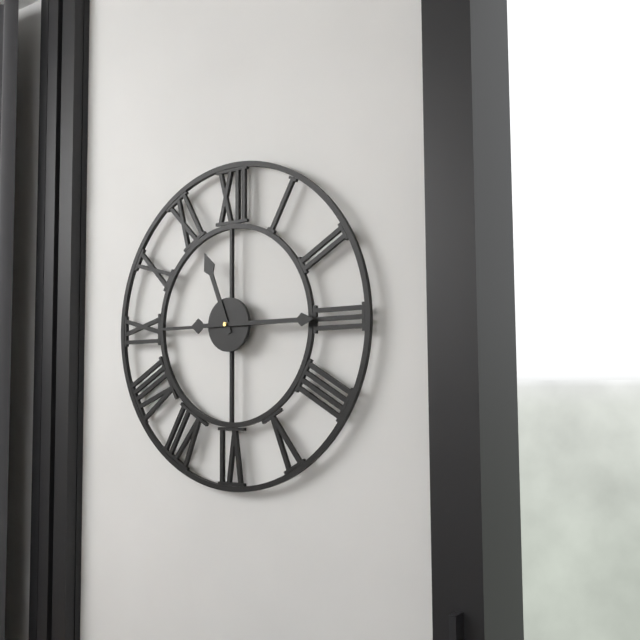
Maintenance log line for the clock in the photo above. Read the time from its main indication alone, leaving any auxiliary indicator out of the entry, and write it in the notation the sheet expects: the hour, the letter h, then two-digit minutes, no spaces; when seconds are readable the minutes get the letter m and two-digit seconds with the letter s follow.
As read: 11h15
